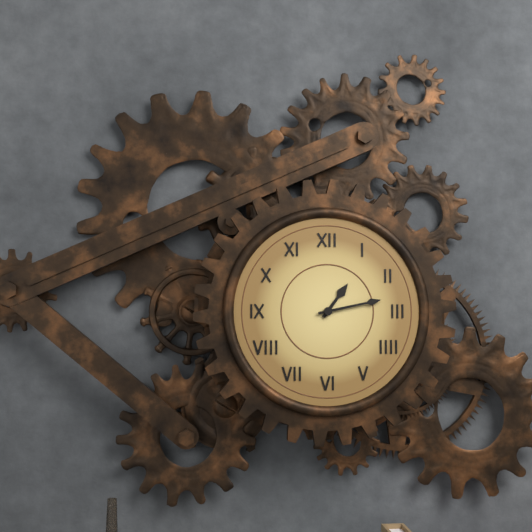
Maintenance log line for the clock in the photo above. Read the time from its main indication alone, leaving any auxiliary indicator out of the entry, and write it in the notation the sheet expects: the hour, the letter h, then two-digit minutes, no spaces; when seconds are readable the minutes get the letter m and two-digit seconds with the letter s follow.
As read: 1h13
